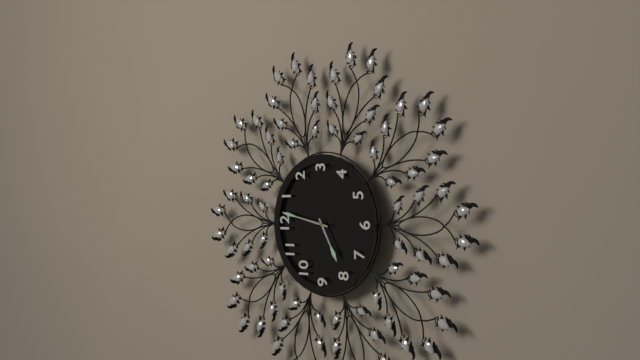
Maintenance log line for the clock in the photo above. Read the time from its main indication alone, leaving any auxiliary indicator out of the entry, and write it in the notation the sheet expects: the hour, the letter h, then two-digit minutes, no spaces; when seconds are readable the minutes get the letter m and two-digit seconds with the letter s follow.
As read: 8h02
